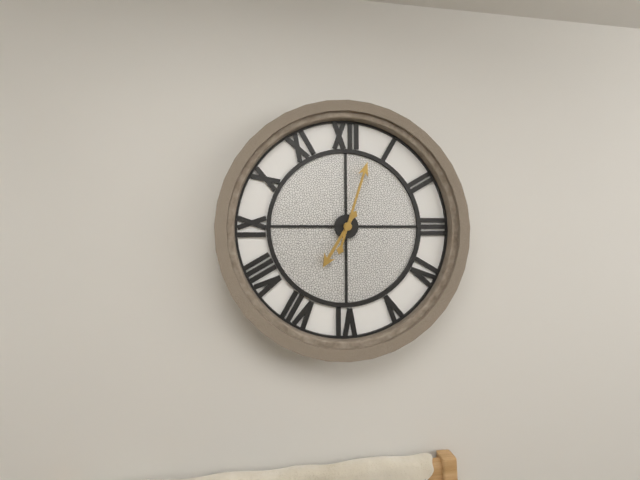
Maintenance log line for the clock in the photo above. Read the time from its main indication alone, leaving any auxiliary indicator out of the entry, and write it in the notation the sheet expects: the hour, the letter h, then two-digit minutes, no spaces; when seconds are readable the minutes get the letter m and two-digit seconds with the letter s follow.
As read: 7h03
